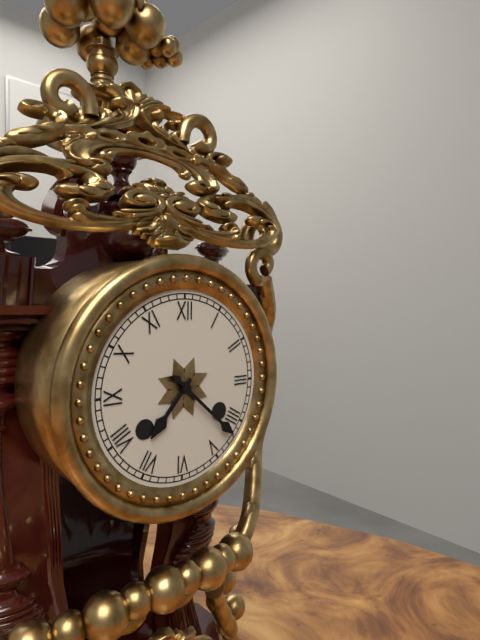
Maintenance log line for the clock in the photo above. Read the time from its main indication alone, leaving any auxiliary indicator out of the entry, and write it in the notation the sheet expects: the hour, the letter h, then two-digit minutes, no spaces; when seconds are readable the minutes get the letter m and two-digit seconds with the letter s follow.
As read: 7h22
